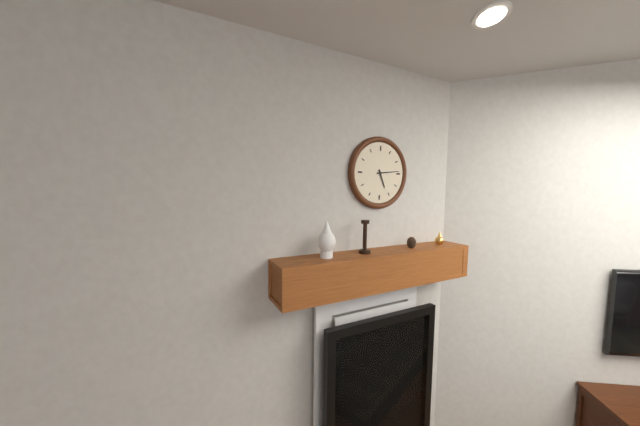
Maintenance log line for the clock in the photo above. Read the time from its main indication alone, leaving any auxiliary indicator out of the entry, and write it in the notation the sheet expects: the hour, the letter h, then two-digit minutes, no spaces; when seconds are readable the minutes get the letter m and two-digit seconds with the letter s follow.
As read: 5h14
